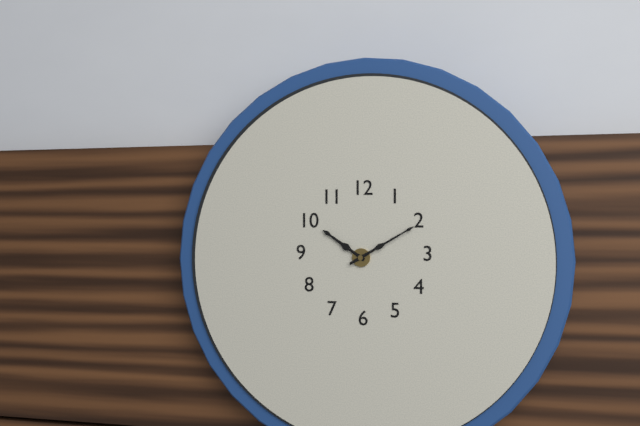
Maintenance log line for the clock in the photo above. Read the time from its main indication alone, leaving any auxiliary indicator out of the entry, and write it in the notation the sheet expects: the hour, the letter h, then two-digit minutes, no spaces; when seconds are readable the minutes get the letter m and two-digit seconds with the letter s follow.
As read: 10h10
